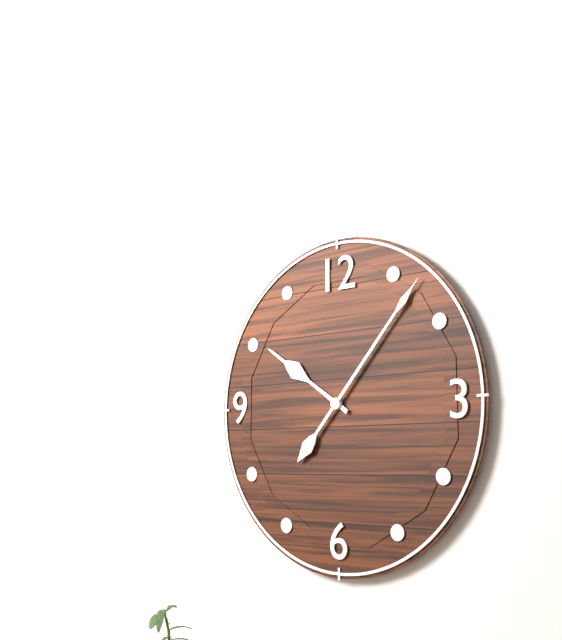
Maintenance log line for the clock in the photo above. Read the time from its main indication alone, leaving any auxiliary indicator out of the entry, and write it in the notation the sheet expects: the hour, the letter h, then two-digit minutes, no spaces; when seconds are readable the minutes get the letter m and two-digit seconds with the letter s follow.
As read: 10h07
